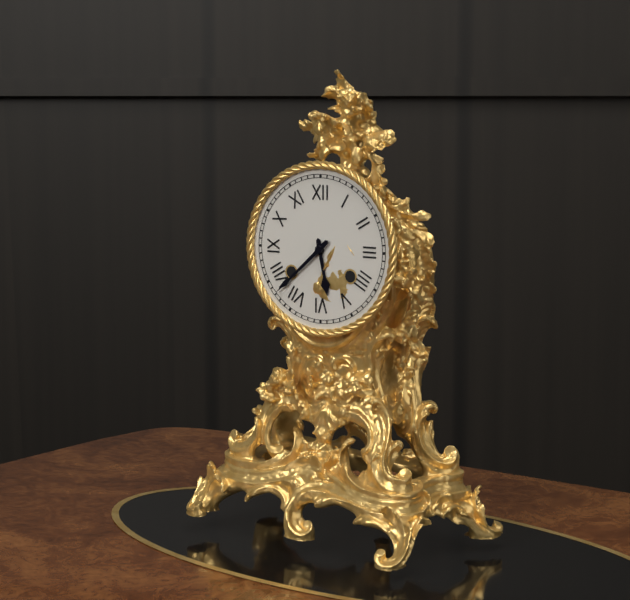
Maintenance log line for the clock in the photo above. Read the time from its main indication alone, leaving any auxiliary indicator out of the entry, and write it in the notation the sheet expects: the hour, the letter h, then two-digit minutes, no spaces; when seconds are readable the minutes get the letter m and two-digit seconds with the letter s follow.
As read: 5h38
